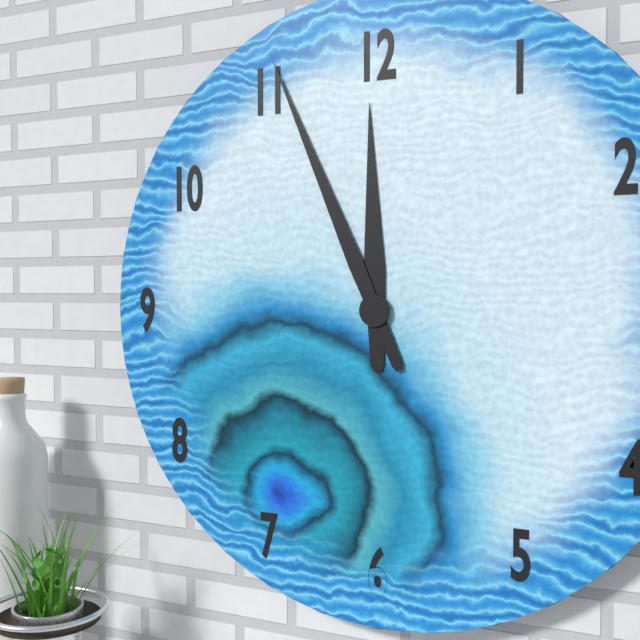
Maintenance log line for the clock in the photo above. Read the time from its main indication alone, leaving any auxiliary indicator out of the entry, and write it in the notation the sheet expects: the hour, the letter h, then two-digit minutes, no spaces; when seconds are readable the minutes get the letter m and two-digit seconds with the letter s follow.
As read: 11h56
